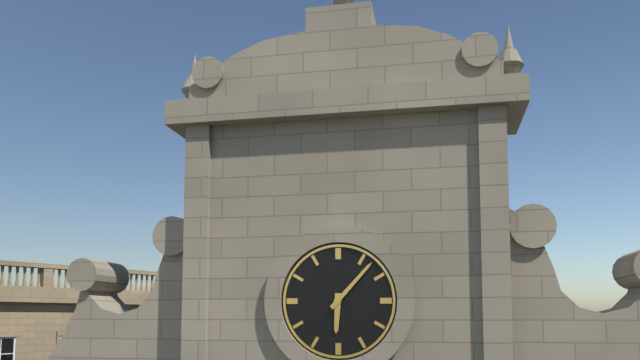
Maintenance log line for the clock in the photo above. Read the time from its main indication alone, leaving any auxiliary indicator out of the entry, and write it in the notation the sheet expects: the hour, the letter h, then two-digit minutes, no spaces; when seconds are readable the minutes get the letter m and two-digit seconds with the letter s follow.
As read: 6h07
